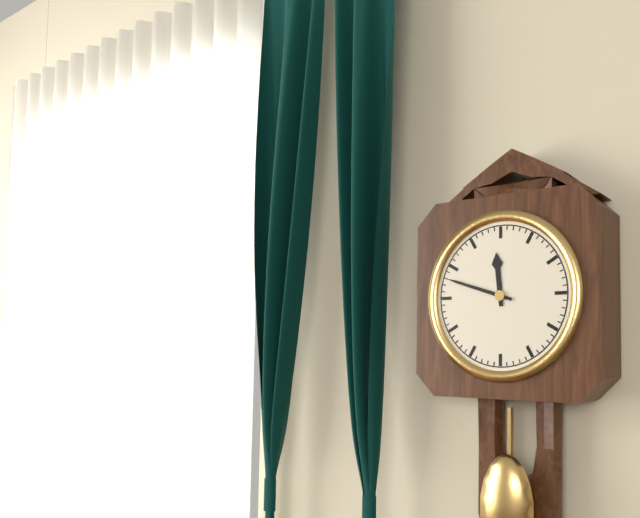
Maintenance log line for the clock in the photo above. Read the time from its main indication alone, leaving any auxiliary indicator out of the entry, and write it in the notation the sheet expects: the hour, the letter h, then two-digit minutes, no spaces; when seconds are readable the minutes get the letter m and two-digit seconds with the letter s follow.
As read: 11h48
